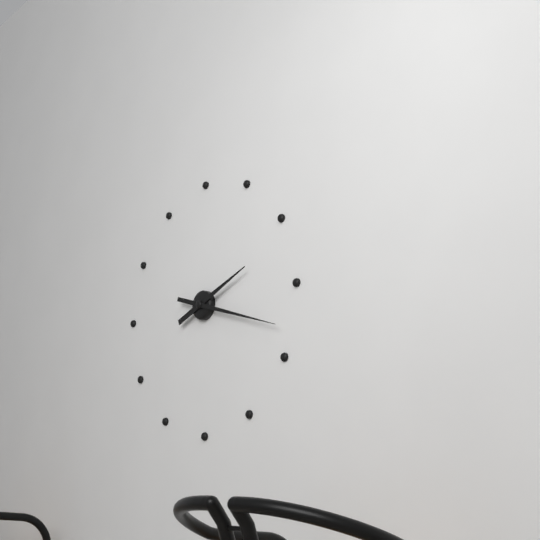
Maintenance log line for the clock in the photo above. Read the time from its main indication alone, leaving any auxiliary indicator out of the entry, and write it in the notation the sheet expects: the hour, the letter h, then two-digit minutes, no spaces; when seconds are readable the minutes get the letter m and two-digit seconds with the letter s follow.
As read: 2h18
